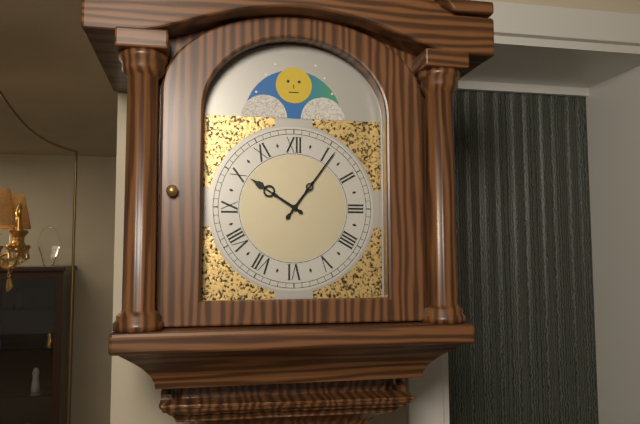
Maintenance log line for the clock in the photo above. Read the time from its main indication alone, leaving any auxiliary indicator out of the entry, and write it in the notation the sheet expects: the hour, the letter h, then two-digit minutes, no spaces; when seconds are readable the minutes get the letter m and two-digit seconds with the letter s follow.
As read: 10h06
